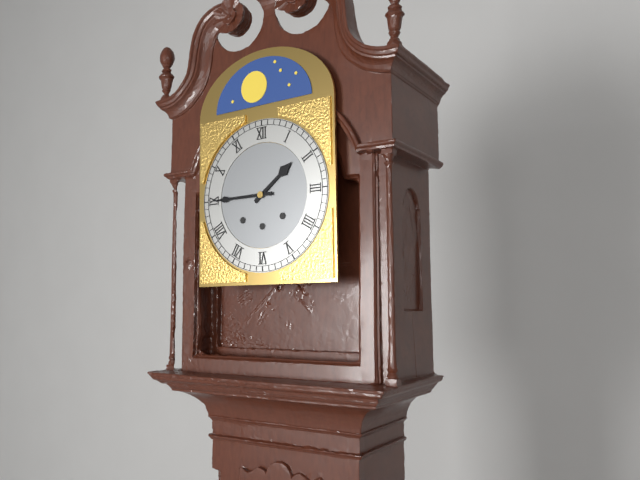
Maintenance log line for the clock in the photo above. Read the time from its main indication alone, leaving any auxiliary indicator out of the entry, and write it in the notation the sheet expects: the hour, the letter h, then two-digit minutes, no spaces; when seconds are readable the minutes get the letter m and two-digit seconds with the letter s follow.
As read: 1h45
